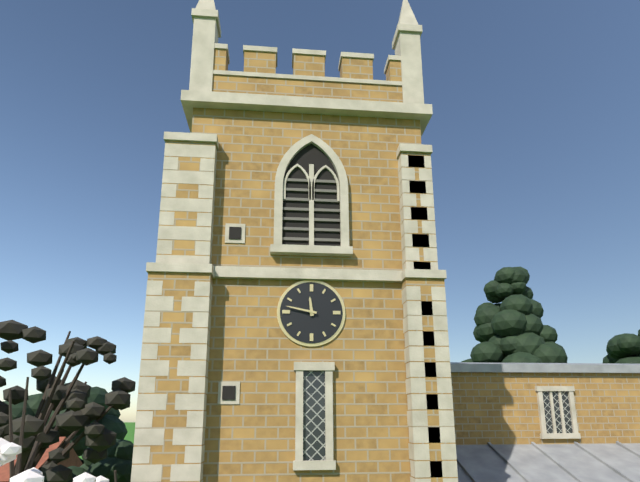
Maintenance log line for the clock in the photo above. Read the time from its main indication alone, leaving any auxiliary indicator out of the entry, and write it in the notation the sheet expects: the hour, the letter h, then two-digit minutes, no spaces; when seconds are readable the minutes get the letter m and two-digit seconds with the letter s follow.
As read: 11h47
